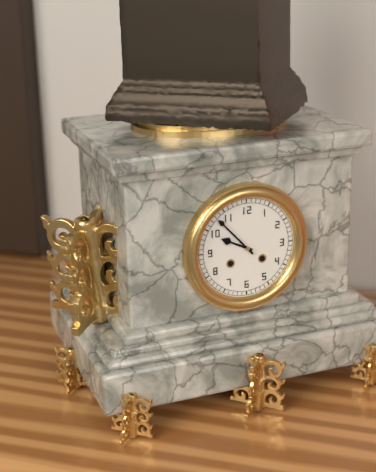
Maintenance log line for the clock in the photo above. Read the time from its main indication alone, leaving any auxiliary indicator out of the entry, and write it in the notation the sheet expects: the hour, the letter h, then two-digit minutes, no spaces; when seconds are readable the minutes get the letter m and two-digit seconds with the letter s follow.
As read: 9h53
